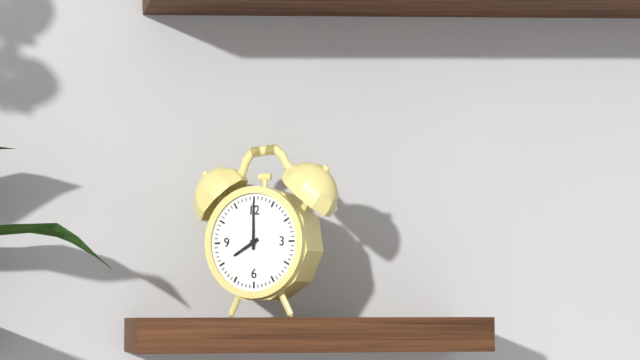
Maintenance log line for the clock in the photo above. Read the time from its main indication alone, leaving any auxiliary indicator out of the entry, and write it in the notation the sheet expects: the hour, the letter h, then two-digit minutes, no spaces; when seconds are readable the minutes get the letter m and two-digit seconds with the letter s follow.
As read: 8h00
